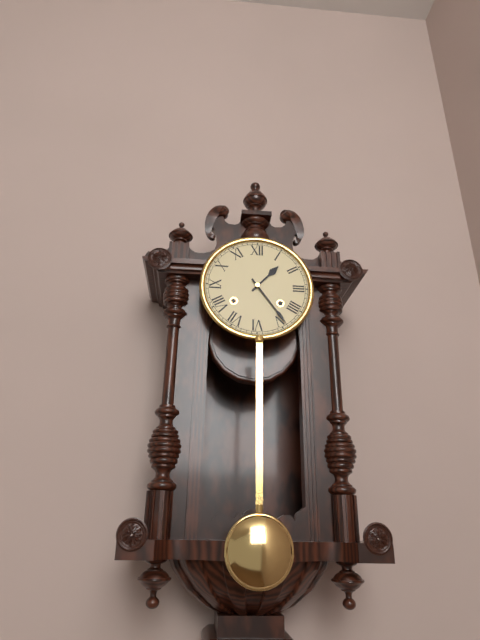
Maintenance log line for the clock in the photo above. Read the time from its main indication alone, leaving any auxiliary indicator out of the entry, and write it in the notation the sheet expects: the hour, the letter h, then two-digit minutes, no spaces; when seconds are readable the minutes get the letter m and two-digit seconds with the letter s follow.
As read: 1h24
